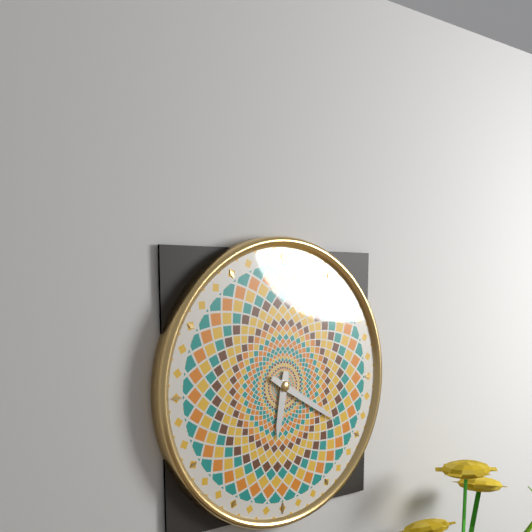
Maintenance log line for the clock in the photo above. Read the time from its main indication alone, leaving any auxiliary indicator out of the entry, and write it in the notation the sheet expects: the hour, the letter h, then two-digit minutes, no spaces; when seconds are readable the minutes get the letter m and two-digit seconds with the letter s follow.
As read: 6h20
